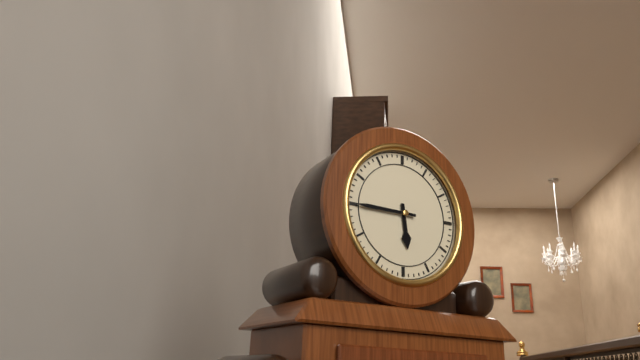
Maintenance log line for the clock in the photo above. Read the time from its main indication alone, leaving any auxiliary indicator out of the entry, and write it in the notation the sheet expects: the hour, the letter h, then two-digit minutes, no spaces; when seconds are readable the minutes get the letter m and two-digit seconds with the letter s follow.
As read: 5h45
